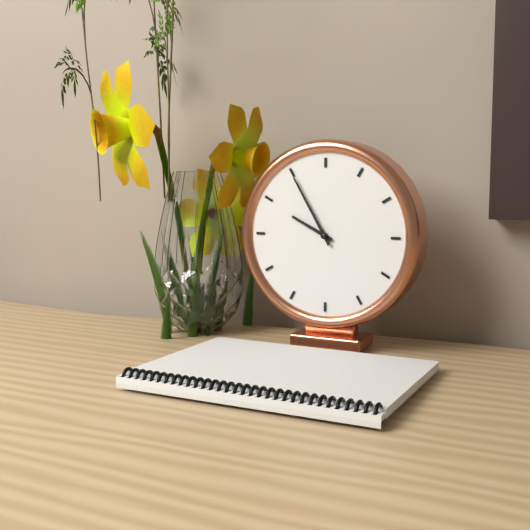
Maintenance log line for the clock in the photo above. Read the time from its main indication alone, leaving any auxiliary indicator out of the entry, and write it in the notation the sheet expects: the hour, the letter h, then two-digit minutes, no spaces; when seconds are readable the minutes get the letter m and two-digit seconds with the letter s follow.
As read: 9h55
